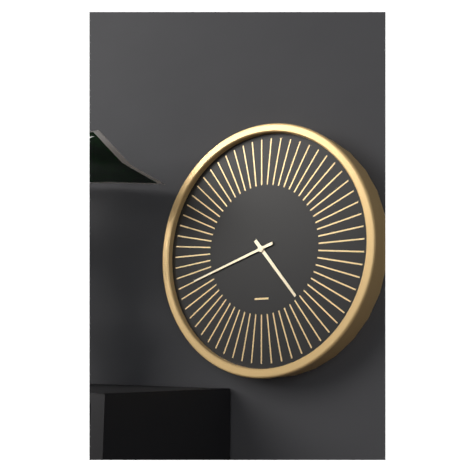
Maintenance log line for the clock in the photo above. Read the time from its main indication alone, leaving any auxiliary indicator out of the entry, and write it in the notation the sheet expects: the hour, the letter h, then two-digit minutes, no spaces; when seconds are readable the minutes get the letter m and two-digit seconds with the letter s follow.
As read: 4h42
